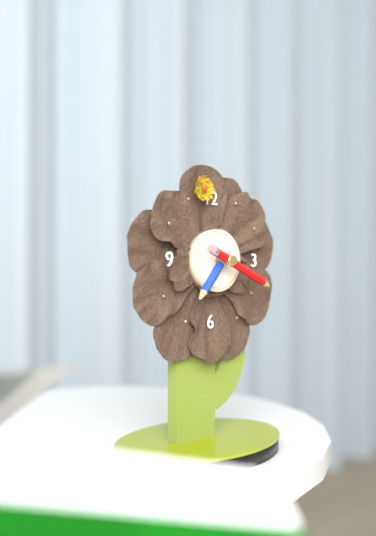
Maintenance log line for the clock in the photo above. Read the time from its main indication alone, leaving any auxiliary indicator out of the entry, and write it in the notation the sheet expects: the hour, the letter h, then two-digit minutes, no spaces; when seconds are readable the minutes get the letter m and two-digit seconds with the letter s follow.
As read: 7h19
